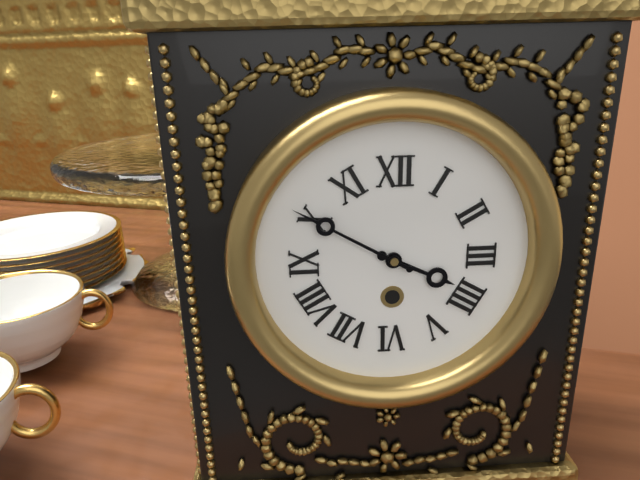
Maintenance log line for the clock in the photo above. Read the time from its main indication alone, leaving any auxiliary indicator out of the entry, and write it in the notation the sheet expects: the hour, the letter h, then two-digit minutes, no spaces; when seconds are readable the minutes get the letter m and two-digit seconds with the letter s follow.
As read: 3h50
